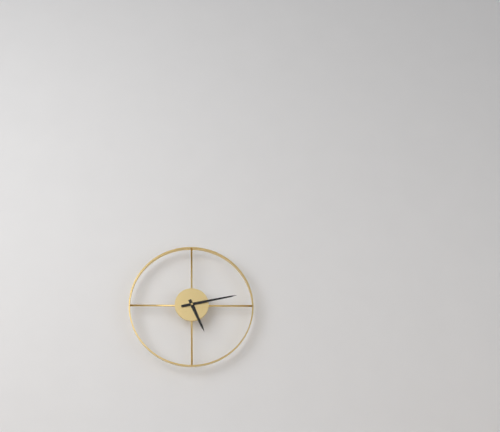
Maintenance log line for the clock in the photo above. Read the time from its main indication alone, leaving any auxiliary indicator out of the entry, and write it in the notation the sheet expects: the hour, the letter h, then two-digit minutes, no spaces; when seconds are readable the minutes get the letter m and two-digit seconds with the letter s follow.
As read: 5h13
